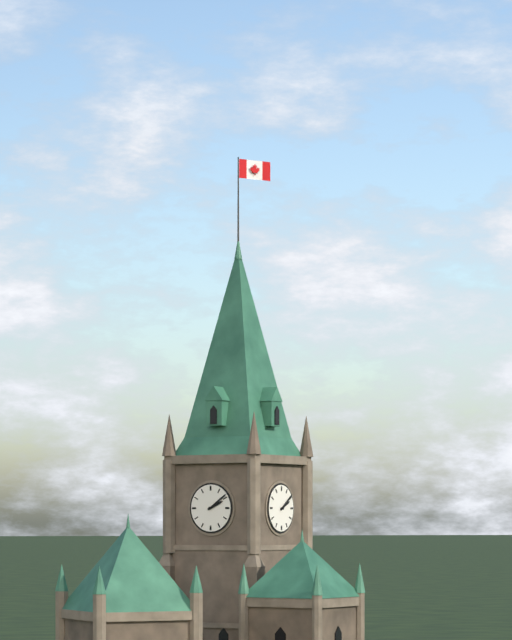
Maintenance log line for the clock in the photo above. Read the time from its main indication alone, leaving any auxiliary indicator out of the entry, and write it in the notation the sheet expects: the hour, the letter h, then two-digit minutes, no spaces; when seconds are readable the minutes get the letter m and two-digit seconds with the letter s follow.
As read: 2h09
